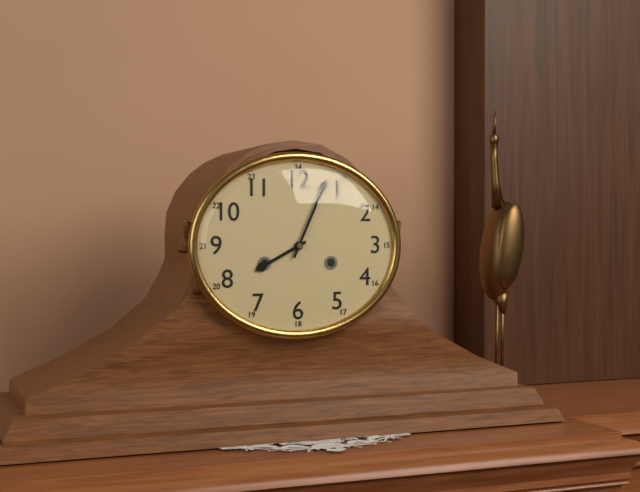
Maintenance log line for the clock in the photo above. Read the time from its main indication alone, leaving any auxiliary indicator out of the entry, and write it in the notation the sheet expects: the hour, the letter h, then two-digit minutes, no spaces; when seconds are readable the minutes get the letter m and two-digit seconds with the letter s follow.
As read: 8h04
